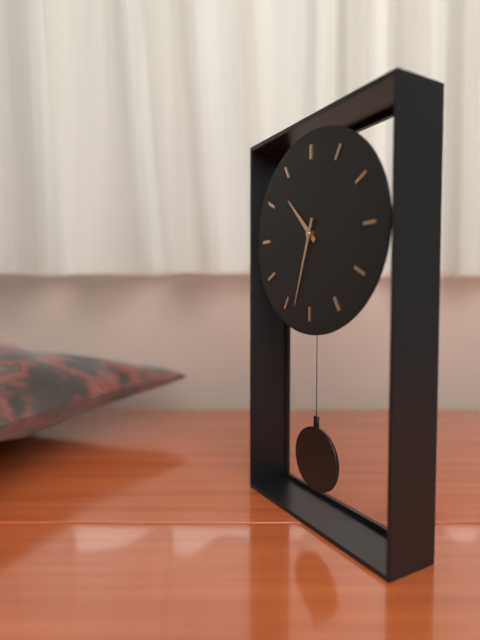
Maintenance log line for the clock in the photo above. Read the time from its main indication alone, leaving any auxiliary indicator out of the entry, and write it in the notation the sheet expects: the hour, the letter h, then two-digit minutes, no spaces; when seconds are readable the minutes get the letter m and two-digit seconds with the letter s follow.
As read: 10h33
